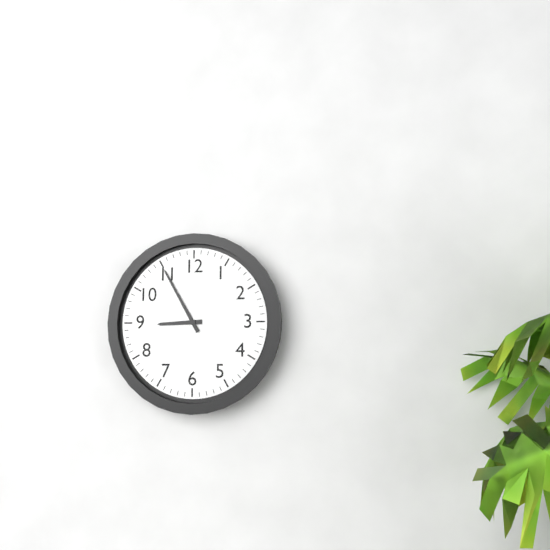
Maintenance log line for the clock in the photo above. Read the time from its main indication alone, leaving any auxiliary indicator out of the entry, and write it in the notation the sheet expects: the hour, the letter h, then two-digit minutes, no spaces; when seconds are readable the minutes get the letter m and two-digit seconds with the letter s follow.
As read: 8h55
